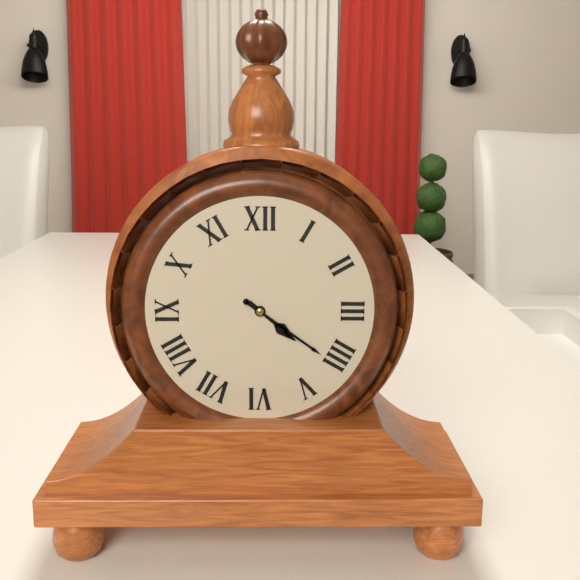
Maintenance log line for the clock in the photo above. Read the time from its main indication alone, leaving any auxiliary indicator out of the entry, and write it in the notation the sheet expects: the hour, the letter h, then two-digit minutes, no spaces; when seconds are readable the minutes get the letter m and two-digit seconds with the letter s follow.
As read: 4h21
